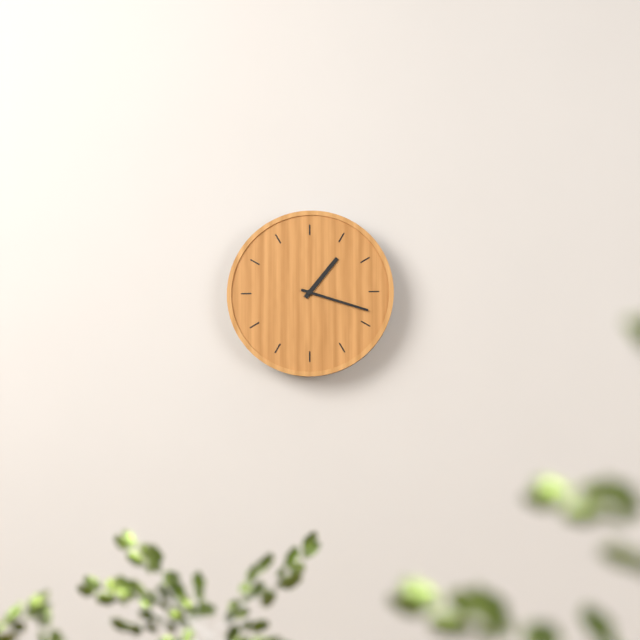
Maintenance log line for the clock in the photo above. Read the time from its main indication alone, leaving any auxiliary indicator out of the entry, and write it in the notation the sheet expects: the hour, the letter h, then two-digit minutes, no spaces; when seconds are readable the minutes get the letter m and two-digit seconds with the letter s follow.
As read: 1h18
